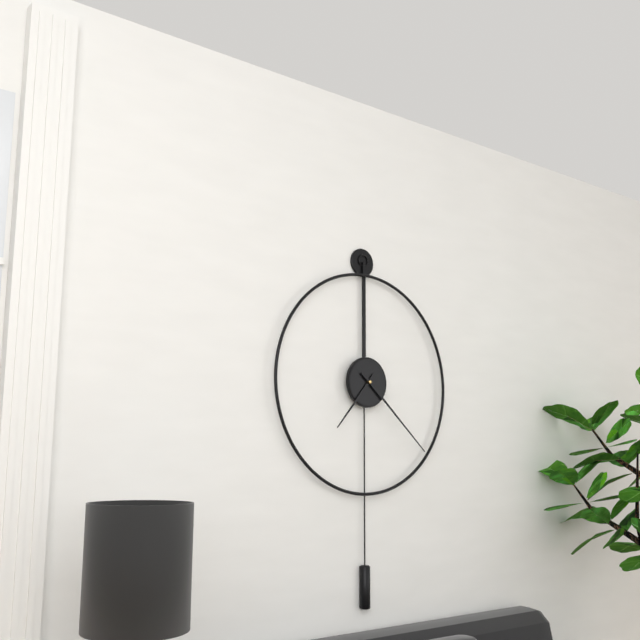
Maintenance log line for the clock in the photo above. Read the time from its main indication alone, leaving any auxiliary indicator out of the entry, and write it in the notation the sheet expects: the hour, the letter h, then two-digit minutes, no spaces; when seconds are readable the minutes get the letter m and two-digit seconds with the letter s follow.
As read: 7h22
